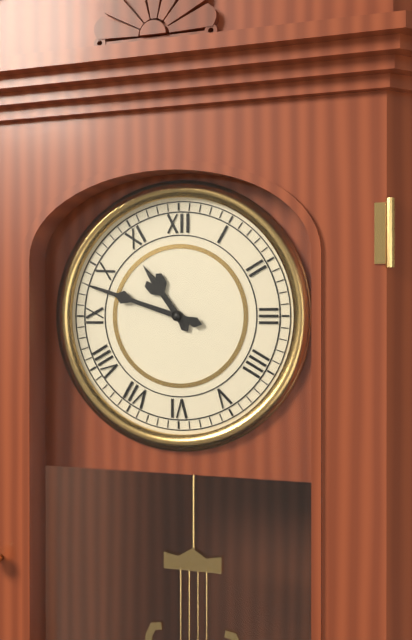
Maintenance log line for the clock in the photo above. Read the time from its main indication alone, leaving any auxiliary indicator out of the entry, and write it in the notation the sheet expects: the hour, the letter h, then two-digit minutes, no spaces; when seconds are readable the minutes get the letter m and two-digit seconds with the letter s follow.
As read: 10h48
